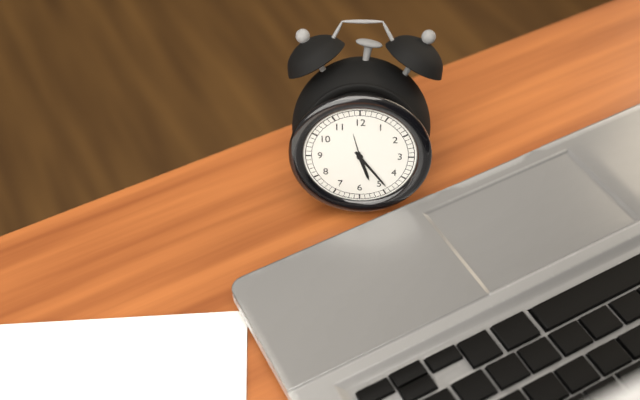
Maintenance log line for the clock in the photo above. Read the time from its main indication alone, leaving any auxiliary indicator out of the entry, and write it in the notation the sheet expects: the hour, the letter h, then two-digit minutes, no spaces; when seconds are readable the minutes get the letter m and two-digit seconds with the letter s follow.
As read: 5h24
